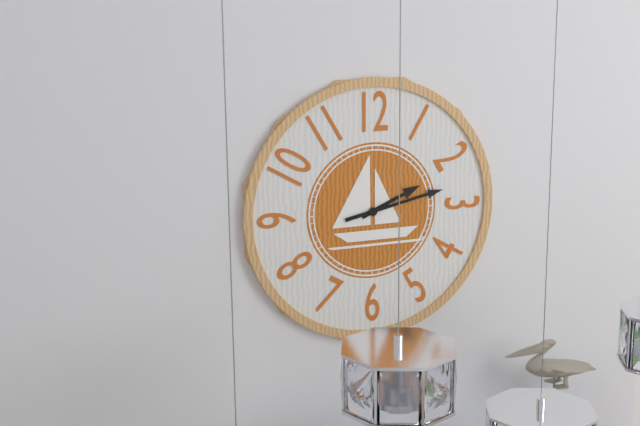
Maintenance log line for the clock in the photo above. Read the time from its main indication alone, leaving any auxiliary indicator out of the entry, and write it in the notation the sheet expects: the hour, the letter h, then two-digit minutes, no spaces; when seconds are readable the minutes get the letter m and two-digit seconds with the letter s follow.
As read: 2h13
